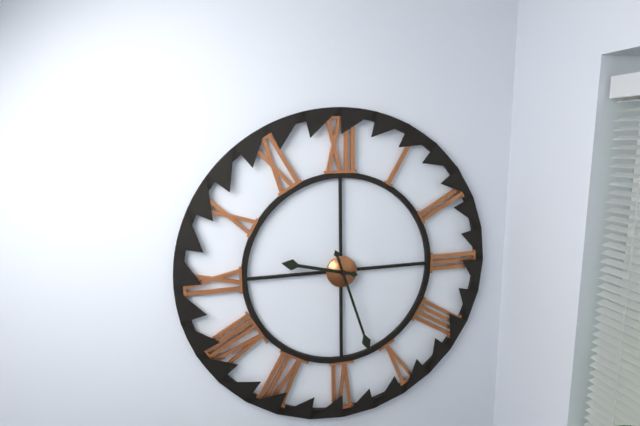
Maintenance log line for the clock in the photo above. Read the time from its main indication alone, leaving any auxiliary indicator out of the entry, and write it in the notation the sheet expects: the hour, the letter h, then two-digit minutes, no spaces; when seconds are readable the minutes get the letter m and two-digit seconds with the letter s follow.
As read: 9h27
